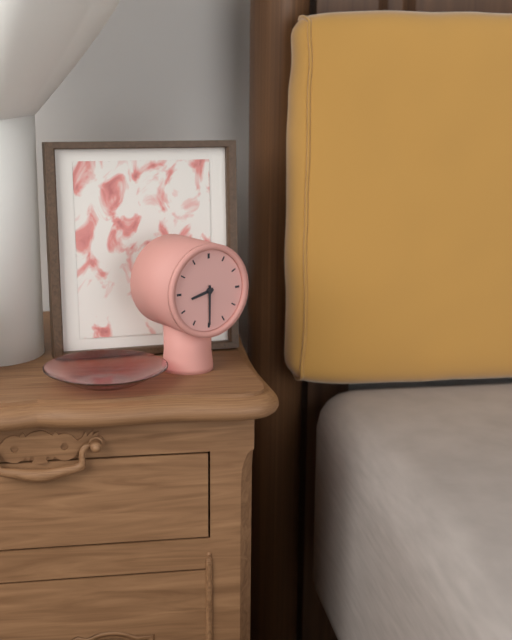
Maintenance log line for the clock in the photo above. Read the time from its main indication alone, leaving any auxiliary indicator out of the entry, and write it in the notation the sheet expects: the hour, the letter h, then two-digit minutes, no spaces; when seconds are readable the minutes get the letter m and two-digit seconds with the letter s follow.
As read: 8h30
